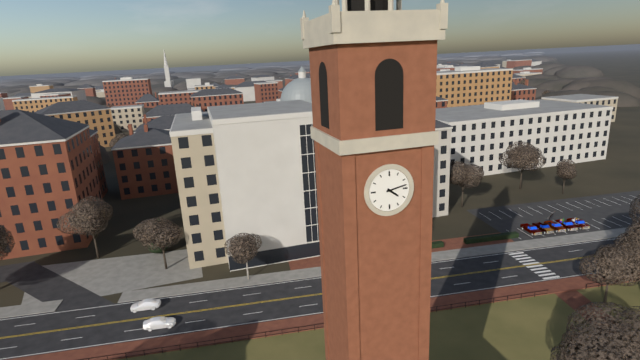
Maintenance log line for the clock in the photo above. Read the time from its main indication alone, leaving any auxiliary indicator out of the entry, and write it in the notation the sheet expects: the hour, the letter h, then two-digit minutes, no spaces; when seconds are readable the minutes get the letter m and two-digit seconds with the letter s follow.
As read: 4h13
